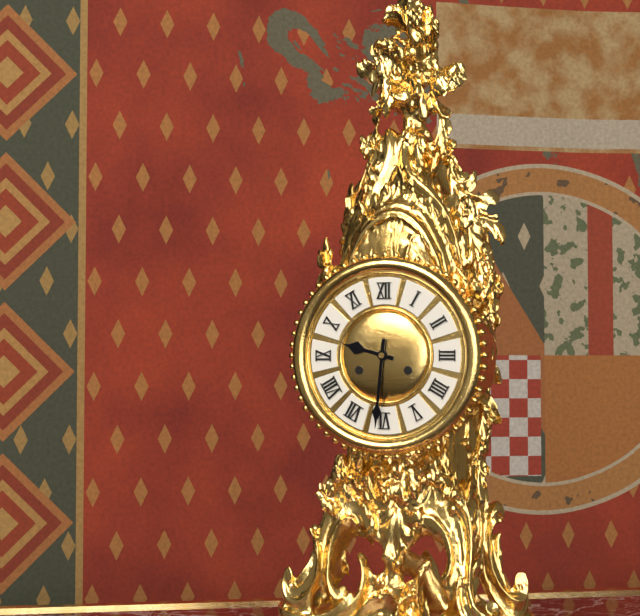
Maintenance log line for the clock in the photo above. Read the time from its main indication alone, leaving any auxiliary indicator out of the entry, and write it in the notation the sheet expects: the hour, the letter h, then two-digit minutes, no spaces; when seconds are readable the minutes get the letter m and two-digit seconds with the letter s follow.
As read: 9h31
